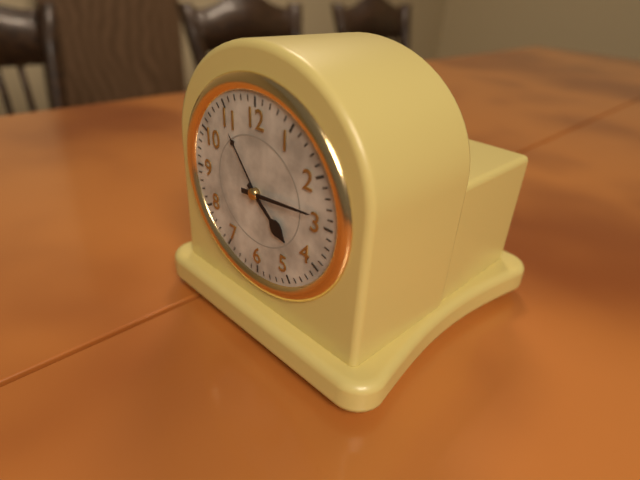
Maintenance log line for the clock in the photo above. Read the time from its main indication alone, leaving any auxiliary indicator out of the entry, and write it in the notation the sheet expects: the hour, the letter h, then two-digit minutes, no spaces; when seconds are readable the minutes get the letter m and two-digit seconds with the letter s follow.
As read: 4h14
